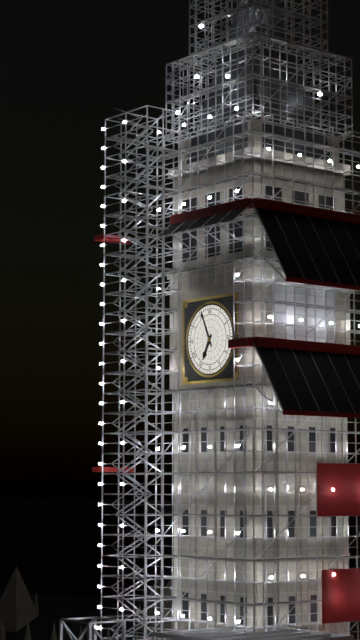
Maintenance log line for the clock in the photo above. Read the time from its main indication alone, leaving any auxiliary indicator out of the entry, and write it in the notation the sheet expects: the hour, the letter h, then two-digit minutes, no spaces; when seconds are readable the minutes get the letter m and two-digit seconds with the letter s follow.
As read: 6h56
